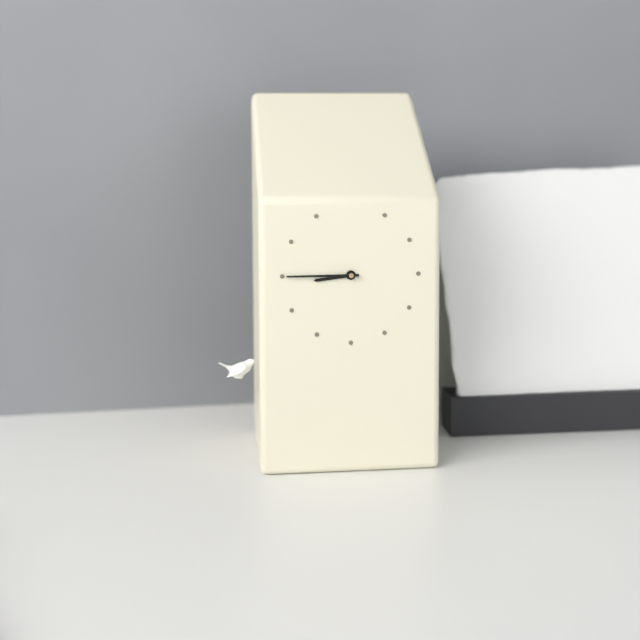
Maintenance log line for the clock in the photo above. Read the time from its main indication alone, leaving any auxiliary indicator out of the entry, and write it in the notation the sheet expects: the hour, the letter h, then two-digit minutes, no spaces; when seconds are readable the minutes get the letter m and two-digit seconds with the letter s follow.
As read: 8h45
